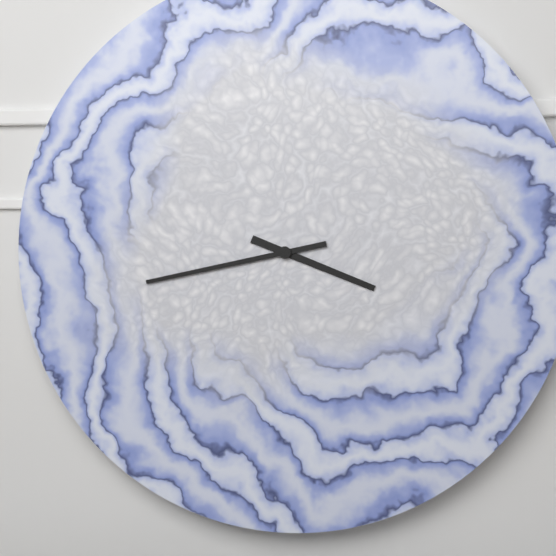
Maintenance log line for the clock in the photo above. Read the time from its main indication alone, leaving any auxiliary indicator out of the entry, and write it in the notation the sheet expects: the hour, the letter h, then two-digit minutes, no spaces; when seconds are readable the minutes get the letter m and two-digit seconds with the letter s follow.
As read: 3h43
